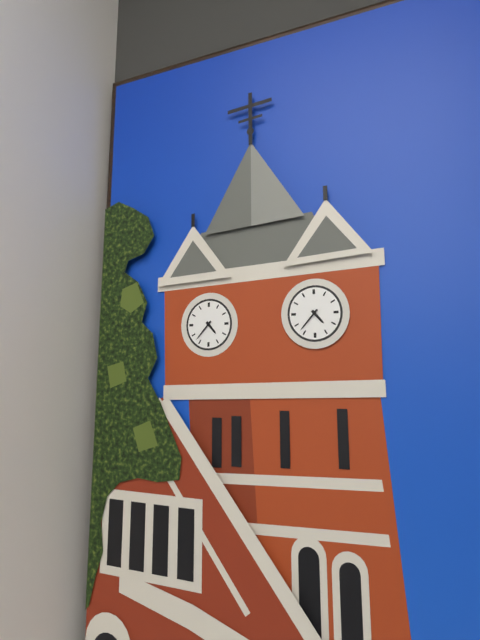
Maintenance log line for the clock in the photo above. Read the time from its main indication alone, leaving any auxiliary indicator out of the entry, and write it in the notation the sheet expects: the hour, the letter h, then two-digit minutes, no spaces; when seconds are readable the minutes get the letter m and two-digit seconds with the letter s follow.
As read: 4h37
